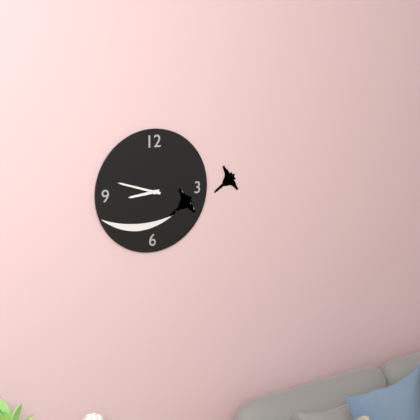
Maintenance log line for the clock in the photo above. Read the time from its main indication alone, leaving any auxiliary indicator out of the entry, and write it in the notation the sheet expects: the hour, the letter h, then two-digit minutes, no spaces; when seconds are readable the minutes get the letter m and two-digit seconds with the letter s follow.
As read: 8h48
